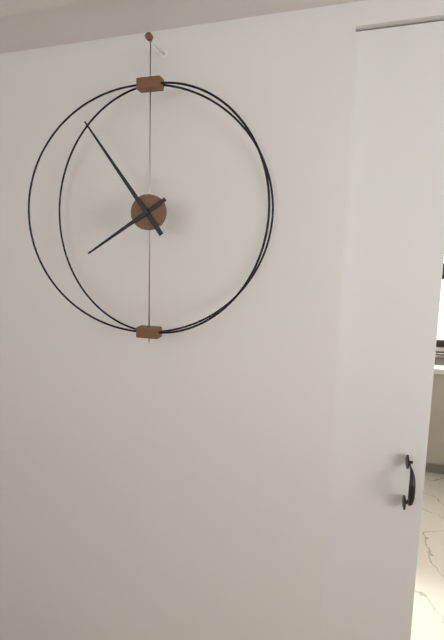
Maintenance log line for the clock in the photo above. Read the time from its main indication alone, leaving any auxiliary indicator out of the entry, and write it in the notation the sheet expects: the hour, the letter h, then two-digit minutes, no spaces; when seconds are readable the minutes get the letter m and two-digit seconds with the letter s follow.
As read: 7h54
